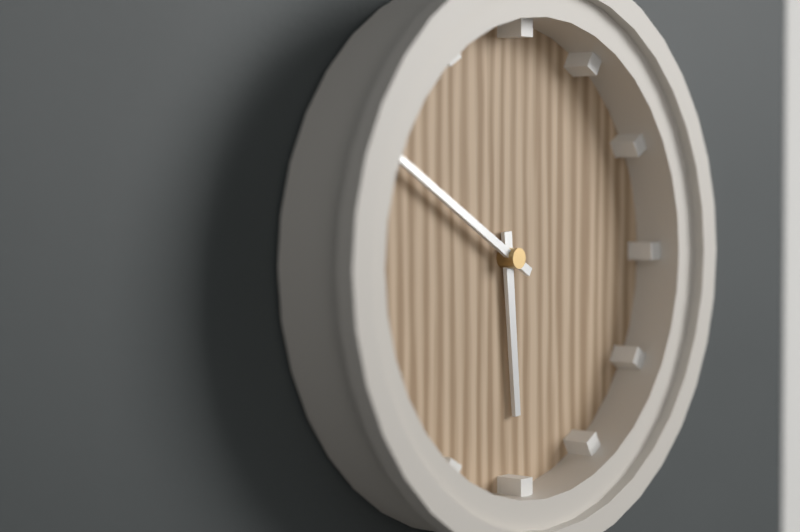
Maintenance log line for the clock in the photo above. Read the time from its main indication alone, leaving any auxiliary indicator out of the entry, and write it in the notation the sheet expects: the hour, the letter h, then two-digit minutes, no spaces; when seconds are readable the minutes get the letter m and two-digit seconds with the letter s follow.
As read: 5h50
